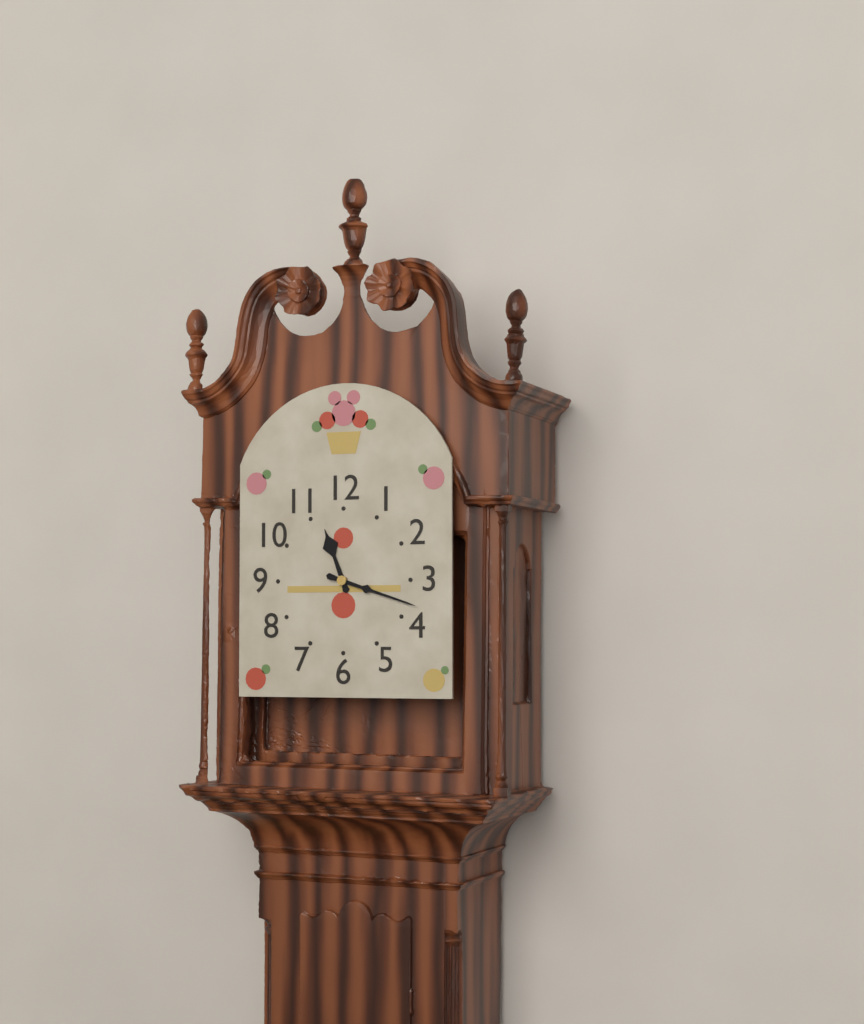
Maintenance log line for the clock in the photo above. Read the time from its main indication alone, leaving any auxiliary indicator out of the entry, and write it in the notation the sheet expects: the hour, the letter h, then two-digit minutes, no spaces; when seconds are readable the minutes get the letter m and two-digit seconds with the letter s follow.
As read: 11h18
